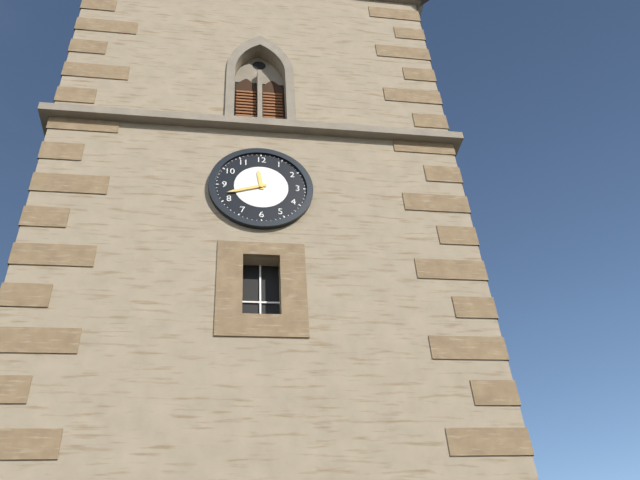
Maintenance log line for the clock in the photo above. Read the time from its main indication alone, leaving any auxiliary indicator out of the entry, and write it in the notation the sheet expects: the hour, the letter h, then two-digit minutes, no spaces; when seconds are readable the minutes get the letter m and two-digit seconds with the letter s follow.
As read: 11h42
